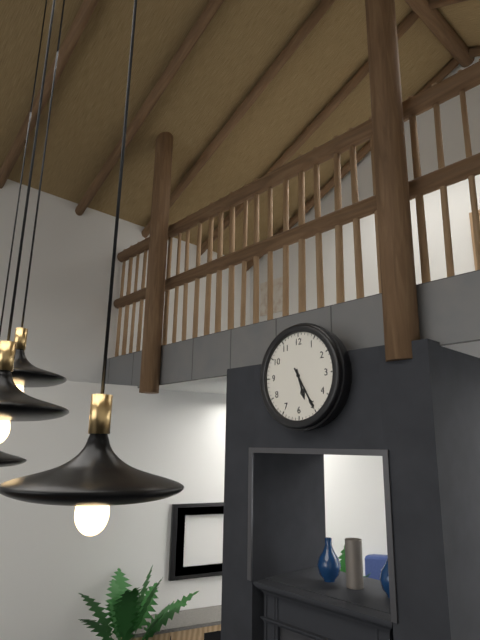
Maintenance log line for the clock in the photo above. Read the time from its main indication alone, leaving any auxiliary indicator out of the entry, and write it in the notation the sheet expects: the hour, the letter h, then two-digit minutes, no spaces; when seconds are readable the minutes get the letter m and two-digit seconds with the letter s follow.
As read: 5h25
